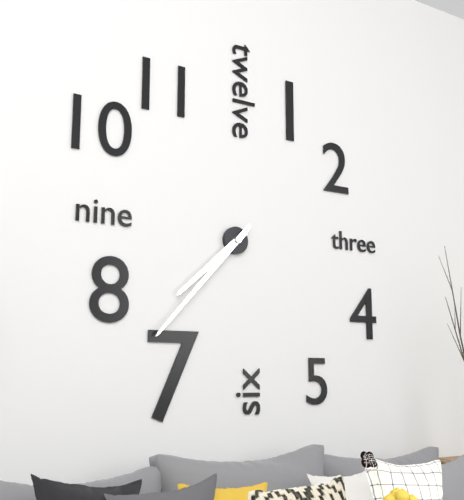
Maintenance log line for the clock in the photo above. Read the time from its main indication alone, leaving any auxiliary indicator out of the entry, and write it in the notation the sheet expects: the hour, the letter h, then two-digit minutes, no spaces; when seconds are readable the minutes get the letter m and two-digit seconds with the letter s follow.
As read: 7h37
